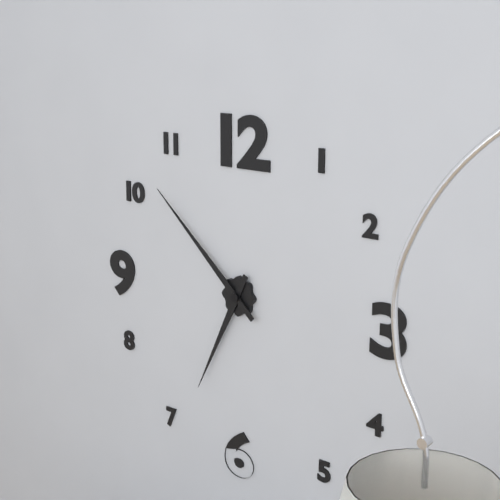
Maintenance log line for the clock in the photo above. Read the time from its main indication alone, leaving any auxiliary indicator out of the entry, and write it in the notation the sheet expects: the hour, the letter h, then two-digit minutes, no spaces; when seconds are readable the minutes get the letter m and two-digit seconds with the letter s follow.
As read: 6h52
